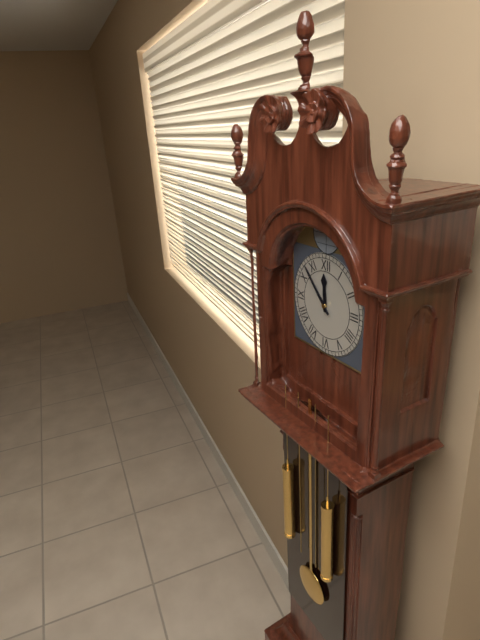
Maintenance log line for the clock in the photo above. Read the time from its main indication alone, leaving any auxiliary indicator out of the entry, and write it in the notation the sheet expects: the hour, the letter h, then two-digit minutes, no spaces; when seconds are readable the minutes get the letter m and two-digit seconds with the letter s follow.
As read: 11h53
